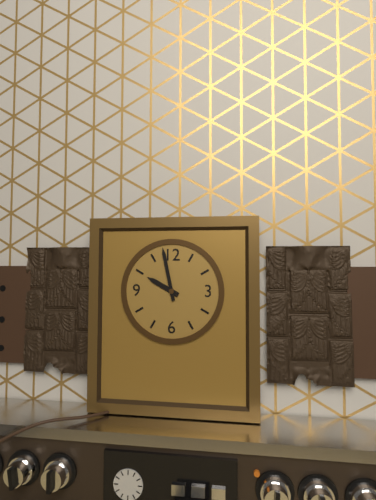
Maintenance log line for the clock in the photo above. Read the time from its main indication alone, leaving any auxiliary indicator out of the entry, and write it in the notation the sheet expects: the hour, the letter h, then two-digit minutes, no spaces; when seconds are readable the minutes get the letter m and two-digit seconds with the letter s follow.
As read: 9h58
